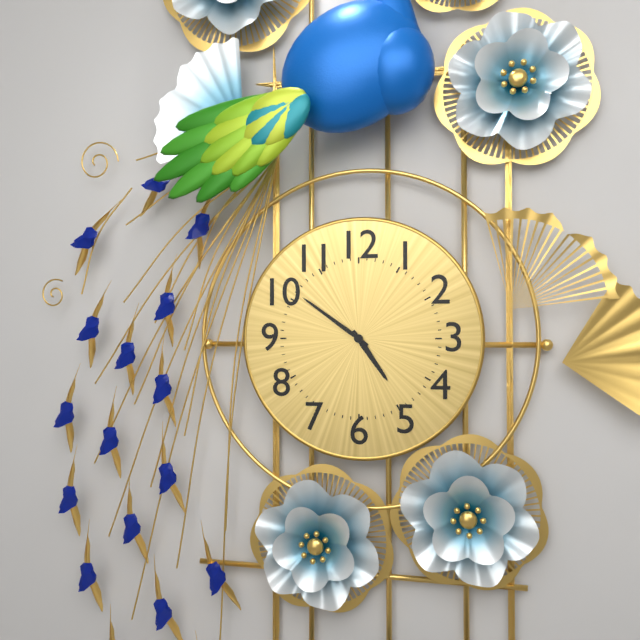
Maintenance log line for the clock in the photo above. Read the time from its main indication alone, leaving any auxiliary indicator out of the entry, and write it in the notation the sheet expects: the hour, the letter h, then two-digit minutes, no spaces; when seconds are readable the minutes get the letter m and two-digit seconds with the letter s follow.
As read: 4h51
